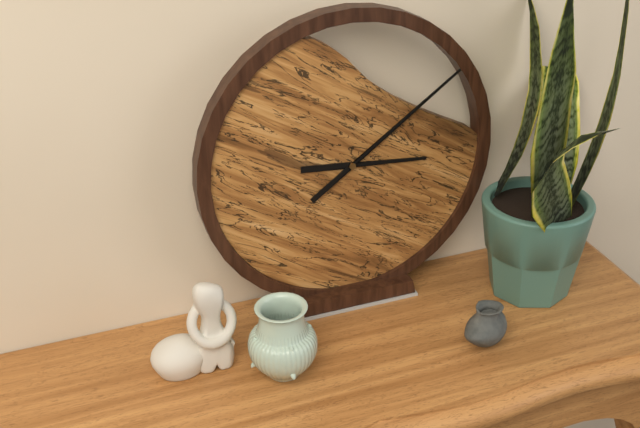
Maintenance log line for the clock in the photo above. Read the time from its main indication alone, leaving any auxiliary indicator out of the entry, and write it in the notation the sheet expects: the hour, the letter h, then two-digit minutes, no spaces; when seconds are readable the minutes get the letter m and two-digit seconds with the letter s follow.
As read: 3h09
